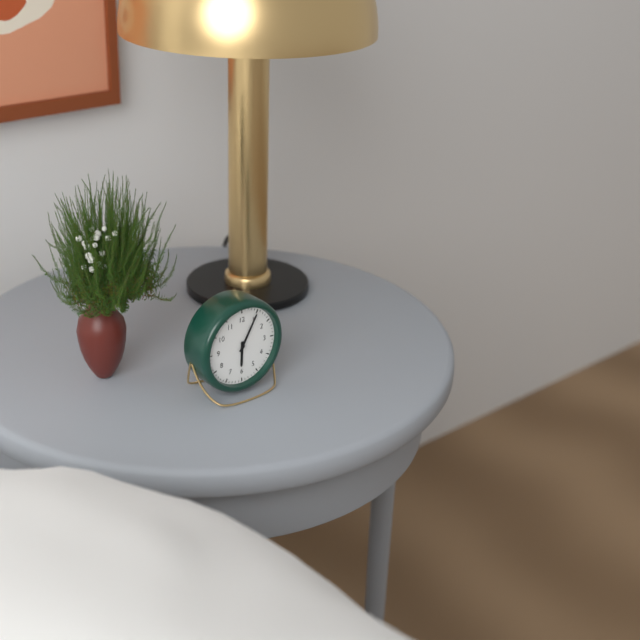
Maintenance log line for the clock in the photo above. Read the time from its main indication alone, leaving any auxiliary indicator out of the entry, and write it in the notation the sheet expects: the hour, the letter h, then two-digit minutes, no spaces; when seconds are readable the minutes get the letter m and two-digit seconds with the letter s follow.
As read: 6h05
